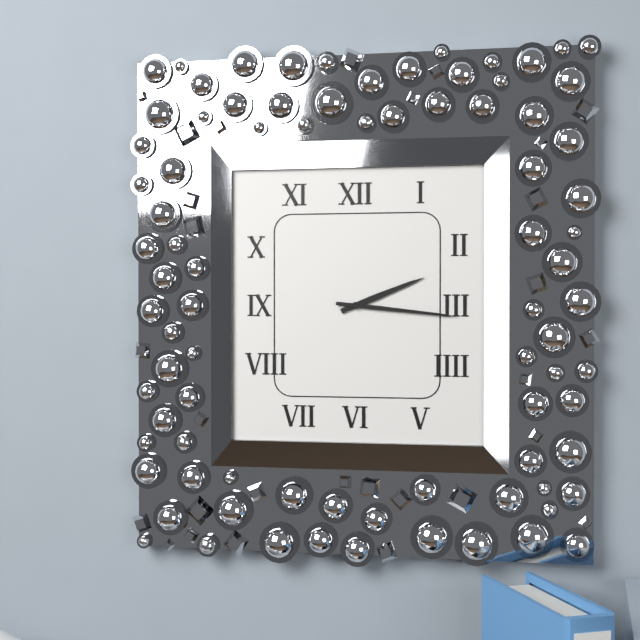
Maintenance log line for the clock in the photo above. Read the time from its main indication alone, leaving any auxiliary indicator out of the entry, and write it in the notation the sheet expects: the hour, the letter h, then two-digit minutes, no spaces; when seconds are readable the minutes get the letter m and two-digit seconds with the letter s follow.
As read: 2h16
